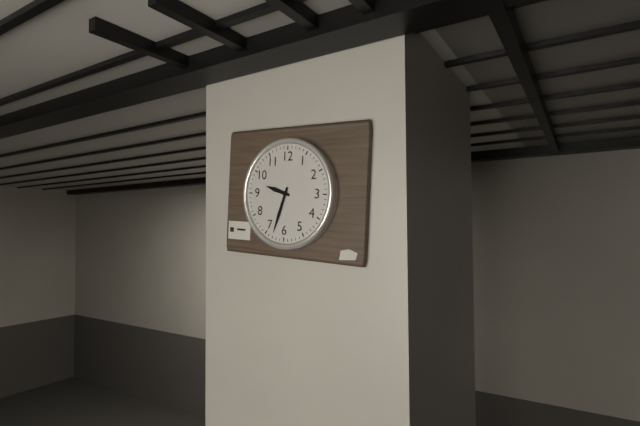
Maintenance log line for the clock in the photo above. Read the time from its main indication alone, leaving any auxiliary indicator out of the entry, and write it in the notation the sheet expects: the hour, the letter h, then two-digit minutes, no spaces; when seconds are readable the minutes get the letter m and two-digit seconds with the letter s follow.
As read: 9h33
